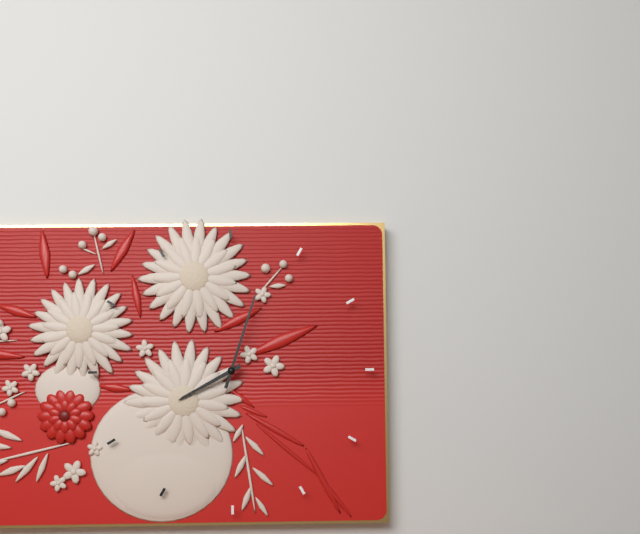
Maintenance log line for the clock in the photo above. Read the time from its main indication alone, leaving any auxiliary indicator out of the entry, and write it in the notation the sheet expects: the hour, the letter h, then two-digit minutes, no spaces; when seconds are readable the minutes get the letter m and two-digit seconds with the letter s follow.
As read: 8h03
